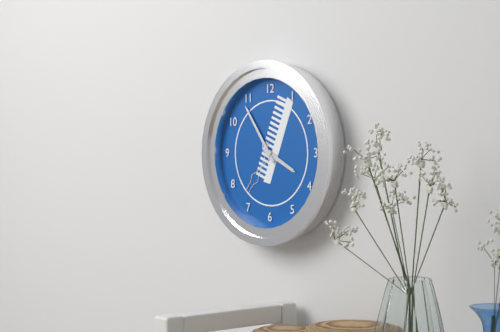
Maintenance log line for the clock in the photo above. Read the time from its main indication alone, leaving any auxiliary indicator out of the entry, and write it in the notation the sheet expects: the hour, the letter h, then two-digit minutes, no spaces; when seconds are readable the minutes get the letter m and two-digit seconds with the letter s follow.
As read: 3h54
